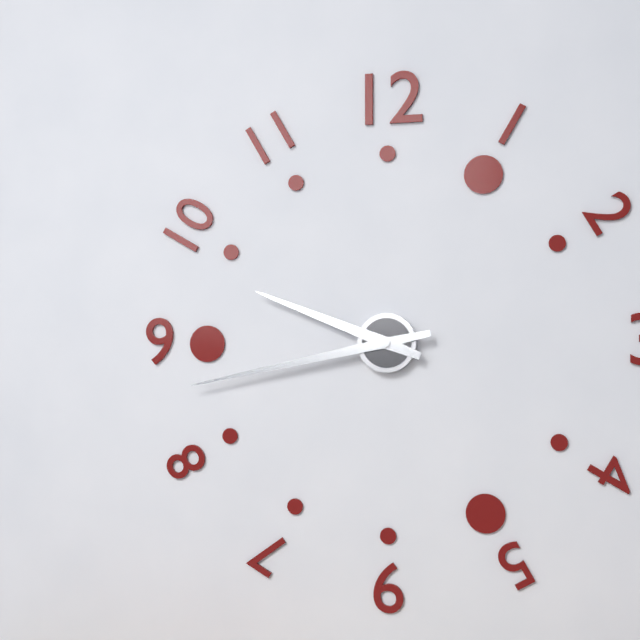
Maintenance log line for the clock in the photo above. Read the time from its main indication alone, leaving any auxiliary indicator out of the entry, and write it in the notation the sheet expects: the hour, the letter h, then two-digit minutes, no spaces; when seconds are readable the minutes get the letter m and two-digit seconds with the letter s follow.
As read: 9h43
